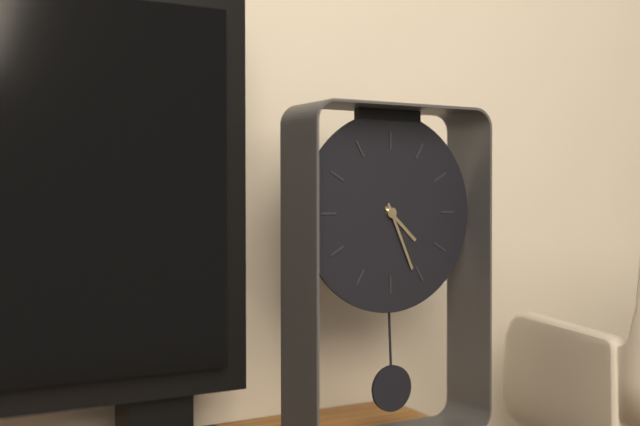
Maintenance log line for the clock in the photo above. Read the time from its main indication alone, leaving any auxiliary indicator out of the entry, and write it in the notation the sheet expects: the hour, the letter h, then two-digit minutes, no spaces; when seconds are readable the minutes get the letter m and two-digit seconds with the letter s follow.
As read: 4h26
